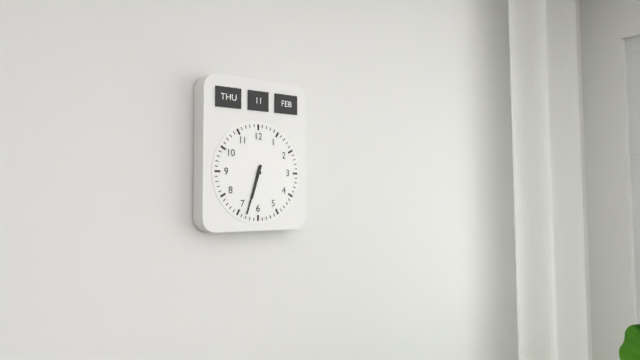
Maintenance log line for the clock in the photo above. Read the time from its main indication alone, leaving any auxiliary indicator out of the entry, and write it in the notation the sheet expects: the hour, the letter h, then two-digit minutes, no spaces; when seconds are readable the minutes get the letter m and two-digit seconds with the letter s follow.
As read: 6h33
